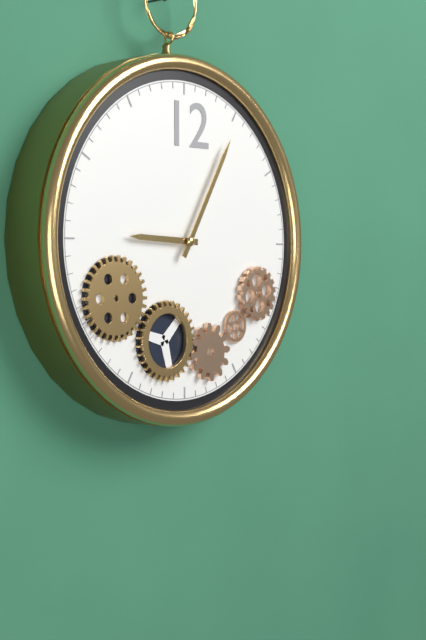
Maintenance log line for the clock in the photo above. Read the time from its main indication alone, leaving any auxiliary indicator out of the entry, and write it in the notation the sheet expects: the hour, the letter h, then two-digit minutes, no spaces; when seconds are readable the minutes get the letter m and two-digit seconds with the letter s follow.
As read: 9h05
